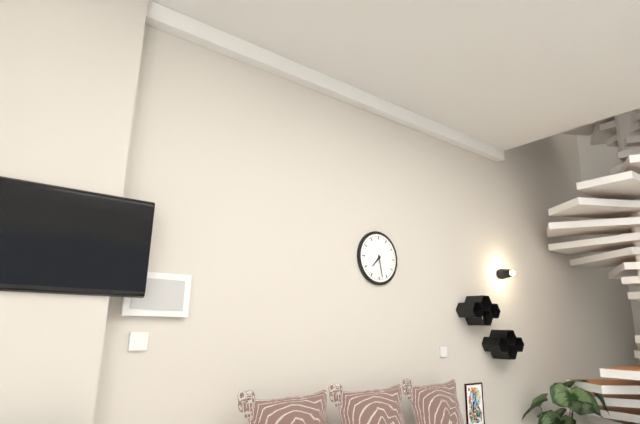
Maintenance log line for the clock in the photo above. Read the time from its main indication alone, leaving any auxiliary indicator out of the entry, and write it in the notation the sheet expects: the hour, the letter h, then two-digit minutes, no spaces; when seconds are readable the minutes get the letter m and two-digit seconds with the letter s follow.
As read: 7h28
